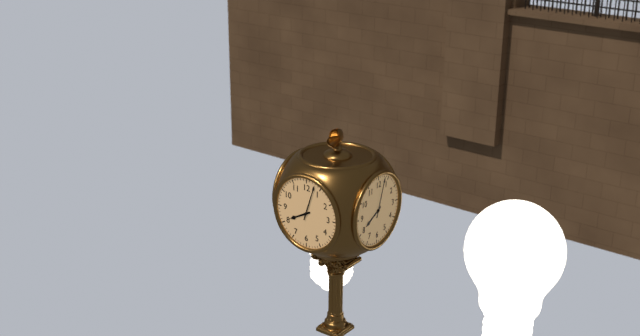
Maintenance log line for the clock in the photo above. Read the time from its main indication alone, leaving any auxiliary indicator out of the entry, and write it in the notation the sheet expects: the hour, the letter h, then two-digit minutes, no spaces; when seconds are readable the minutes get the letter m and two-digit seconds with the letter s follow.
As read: 8h03
